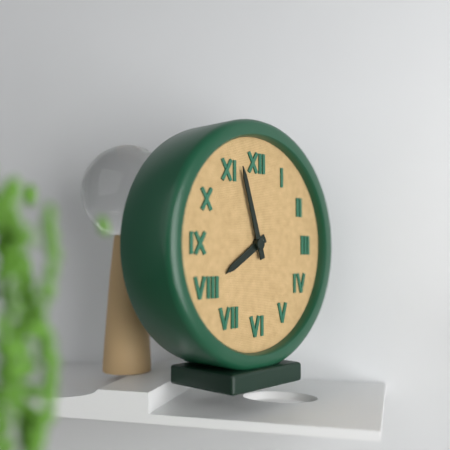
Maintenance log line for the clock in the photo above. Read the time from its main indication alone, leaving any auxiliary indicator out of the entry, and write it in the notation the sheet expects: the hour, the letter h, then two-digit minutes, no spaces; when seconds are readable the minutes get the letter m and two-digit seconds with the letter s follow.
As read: 7h57
